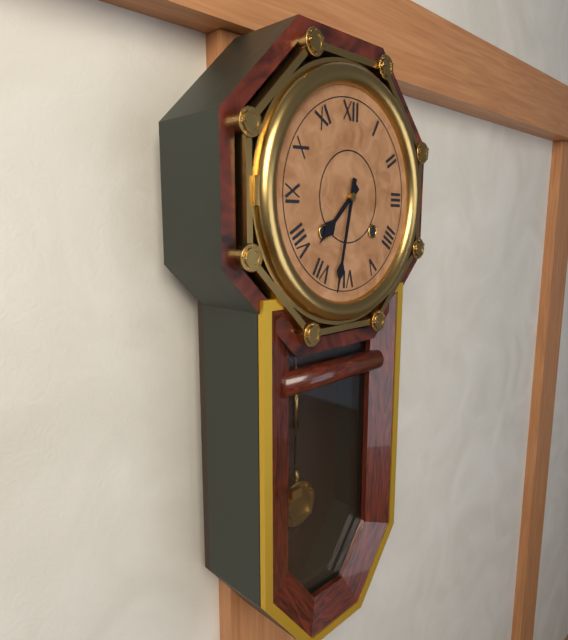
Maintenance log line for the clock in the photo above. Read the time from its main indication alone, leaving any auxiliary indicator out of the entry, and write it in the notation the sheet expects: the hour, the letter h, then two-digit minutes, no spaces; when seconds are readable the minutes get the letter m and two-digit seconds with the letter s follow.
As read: 7h32
